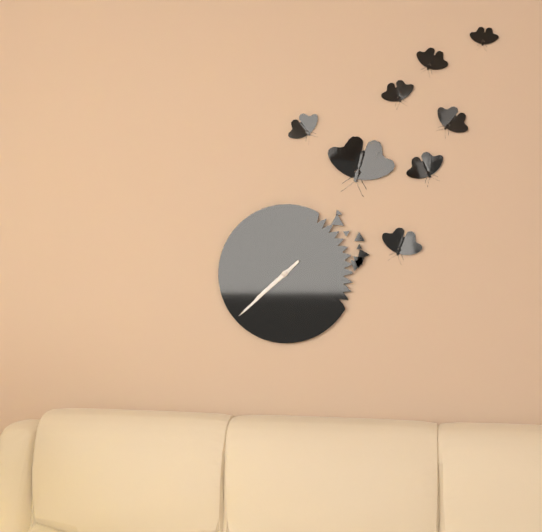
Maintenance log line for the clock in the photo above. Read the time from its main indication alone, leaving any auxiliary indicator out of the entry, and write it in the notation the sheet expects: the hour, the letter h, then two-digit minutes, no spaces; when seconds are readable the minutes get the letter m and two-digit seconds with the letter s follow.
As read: 7h38
